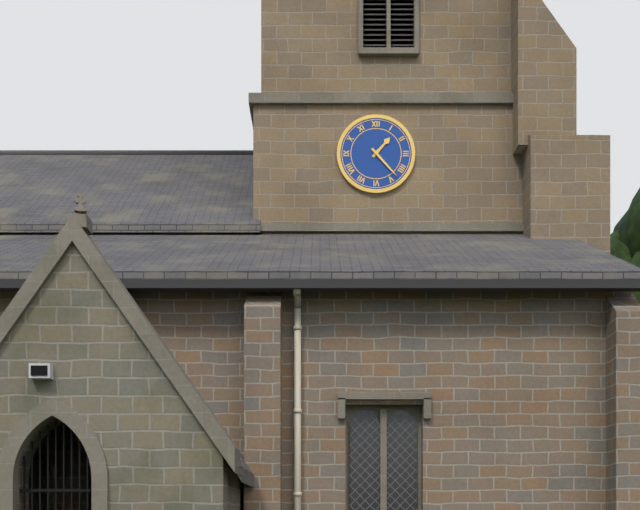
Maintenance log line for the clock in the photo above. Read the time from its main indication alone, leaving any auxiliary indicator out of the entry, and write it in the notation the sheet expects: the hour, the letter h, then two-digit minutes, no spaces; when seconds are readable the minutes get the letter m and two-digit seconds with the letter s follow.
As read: 1h23
